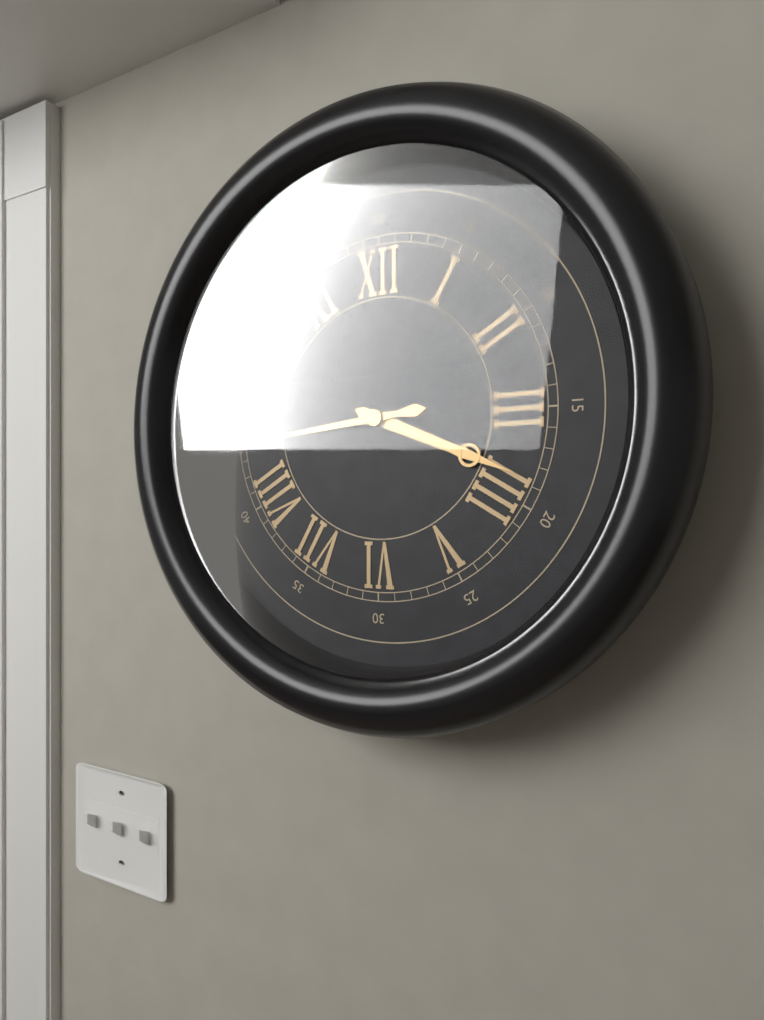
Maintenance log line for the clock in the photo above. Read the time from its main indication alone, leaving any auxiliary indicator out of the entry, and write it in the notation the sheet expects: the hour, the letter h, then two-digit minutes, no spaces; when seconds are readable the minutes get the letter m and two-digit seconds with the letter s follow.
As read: 3h44
